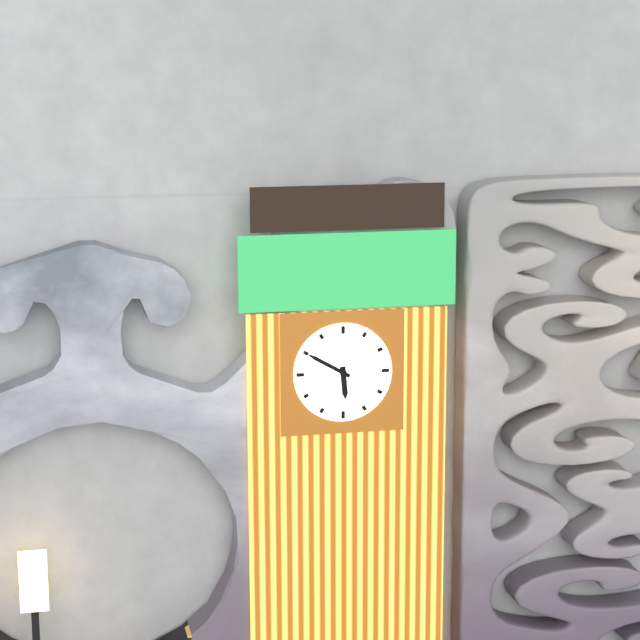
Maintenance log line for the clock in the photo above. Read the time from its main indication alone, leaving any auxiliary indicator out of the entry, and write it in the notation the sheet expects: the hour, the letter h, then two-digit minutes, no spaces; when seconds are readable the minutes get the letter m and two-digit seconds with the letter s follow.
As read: 5h50
